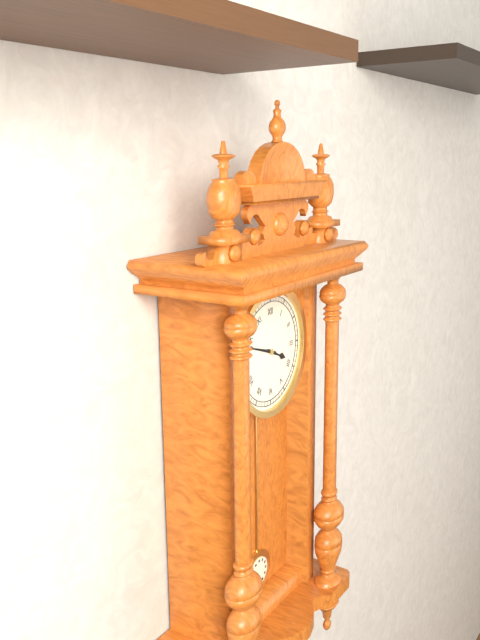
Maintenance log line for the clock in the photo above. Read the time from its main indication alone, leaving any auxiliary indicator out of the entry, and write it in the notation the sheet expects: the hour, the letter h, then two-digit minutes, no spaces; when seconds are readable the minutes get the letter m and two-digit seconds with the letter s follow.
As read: 3h48
